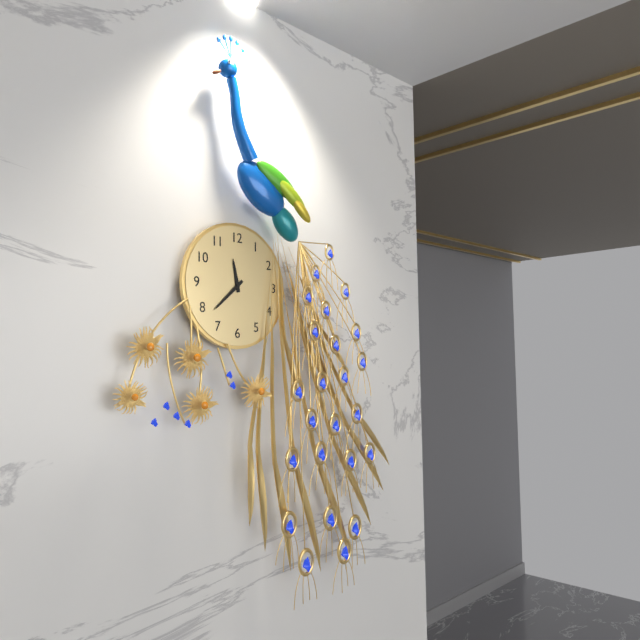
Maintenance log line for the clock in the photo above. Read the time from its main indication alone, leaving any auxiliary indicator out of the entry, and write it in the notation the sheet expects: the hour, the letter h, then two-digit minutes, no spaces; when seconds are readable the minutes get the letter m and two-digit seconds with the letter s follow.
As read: 11h38
